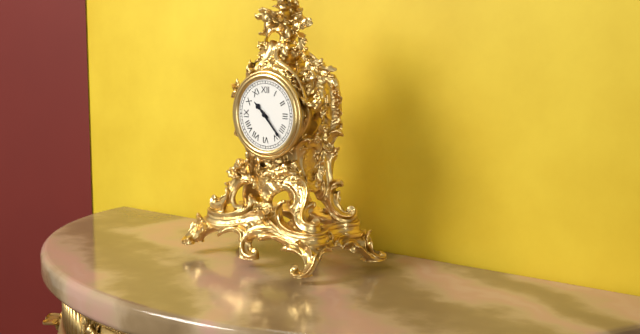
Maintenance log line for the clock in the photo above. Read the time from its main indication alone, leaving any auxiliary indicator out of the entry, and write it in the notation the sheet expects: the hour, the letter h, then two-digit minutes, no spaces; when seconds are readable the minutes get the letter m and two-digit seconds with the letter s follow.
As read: 10h23
